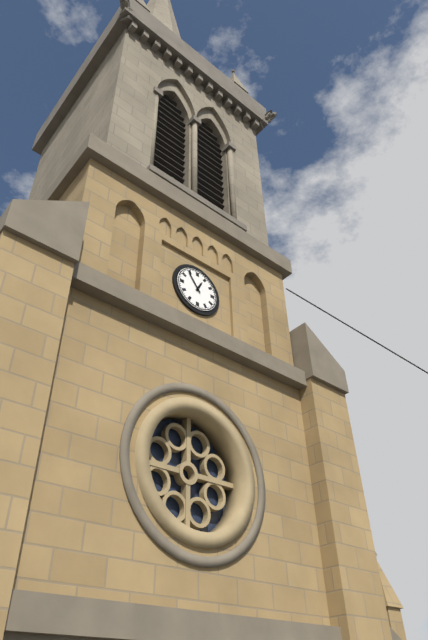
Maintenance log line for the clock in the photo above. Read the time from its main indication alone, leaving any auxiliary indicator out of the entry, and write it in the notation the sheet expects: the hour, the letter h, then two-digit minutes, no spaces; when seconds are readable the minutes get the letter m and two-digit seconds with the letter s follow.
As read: 12h54
